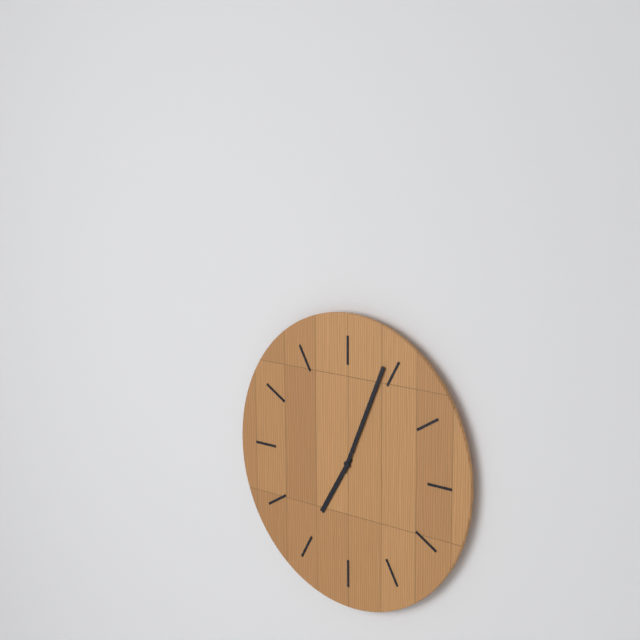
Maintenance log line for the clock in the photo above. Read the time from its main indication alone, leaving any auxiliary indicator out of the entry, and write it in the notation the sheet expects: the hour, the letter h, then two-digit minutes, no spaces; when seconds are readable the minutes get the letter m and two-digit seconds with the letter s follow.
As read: 7h04
